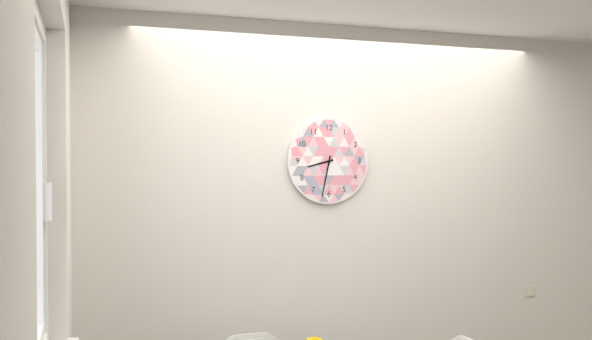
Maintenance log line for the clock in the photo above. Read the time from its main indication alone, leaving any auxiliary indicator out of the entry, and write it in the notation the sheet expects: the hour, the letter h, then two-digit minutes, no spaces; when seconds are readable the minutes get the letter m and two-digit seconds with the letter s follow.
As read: 8h32
